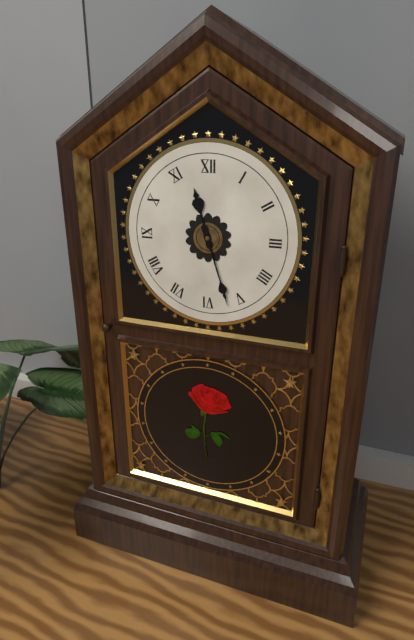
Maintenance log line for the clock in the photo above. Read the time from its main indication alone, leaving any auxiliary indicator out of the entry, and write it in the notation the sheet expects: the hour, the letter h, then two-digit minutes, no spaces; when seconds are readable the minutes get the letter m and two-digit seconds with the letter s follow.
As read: 11h27
